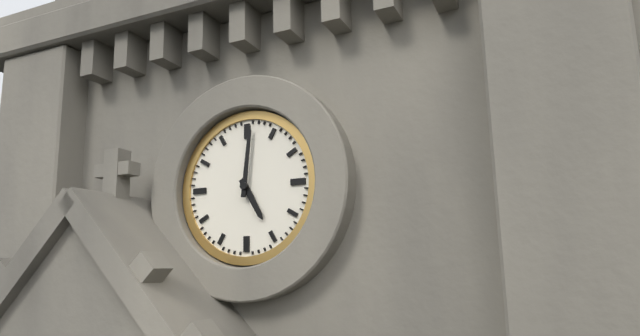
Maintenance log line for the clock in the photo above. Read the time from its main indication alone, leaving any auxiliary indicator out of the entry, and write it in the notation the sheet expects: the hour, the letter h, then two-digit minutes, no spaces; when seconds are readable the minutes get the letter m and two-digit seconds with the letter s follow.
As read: 5h01
